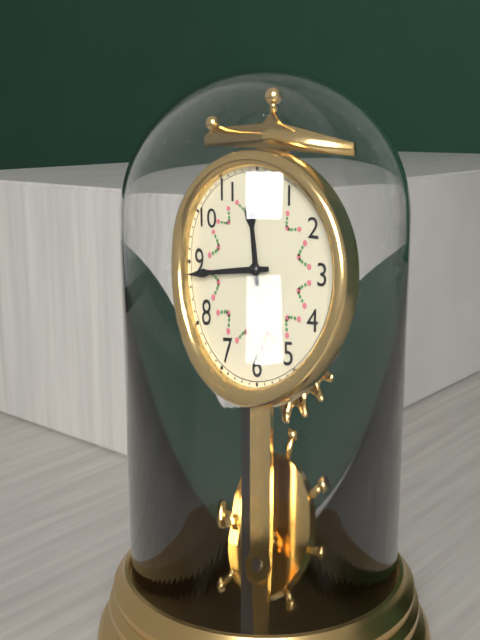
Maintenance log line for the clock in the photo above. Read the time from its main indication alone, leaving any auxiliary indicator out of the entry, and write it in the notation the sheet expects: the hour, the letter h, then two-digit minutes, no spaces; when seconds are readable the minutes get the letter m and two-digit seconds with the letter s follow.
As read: 11h44
